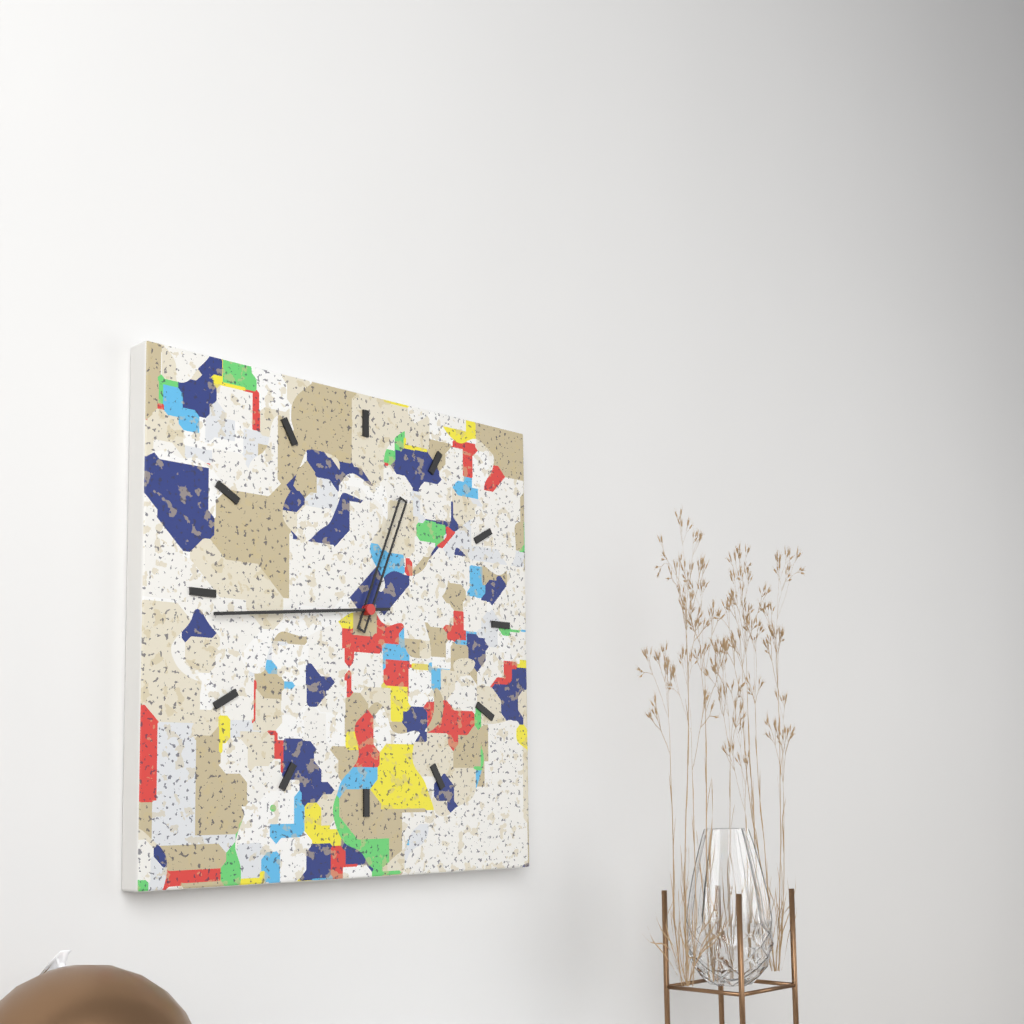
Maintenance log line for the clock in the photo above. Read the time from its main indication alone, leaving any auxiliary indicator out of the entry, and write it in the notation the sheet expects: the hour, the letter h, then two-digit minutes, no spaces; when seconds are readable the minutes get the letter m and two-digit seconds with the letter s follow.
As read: 12h44
